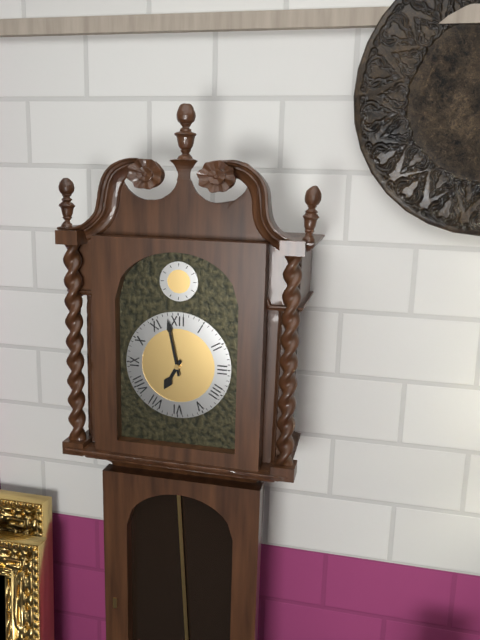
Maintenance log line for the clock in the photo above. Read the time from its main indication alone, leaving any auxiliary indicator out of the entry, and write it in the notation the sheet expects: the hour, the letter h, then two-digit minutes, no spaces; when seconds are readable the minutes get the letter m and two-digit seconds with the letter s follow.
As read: 6h58
